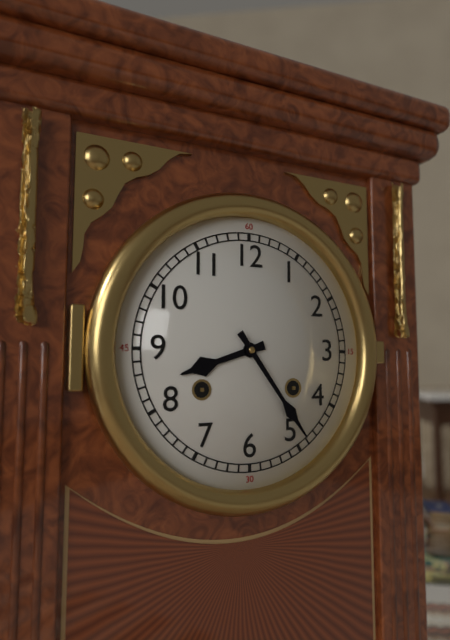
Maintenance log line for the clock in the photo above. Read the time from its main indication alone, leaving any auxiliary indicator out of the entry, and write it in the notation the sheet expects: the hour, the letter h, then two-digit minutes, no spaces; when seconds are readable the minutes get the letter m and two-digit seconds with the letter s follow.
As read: 8h24
